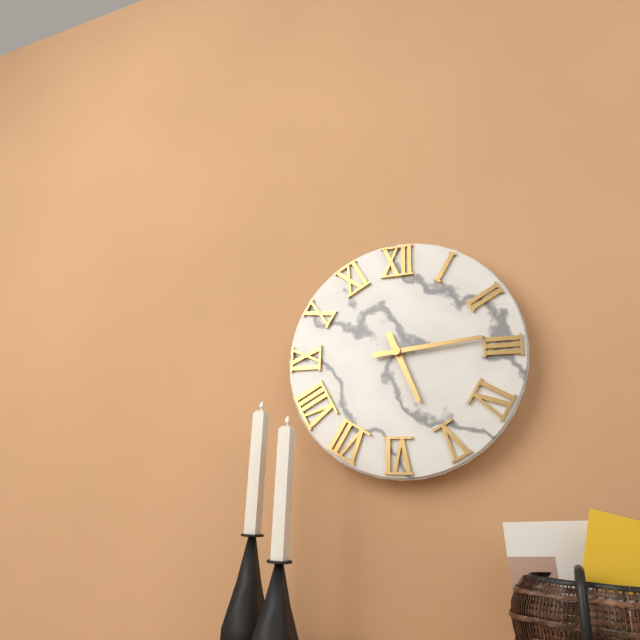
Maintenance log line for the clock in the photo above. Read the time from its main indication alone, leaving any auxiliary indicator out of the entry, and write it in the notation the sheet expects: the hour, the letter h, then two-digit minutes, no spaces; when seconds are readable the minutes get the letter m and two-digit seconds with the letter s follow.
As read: 5h14
